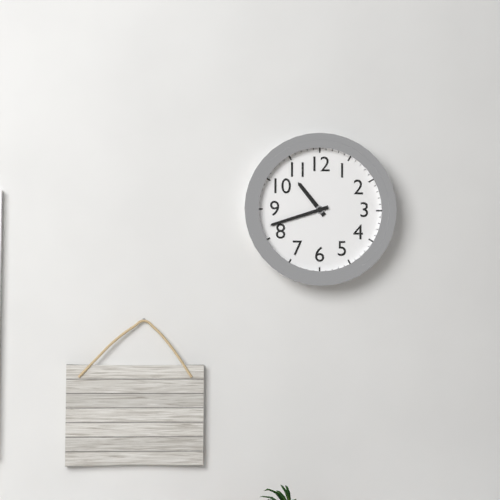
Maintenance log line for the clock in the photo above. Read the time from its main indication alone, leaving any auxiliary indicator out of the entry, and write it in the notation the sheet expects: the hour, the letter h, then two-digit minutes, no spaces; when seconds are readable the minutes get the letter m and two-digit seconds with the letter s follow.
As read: 10h42
